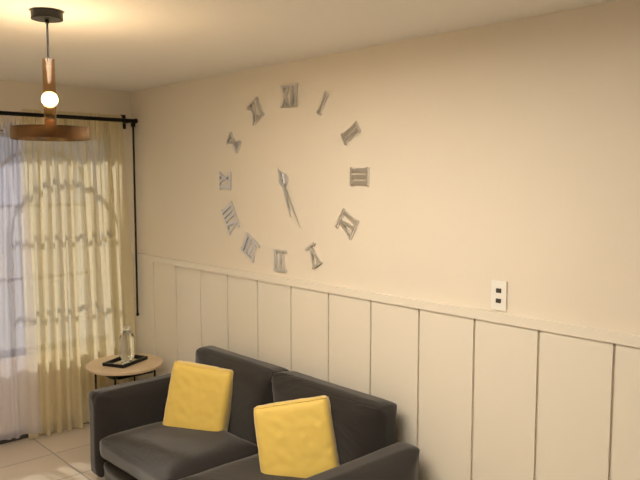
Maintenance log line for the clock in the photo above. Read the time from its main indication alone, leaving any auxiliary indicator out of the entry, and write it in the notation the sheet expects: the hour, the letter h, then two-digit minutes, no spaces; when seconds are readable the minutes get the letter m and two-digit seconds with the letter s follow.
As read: 5h25
